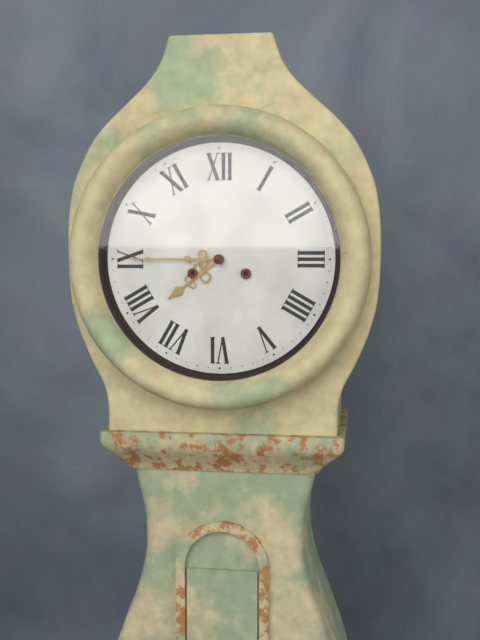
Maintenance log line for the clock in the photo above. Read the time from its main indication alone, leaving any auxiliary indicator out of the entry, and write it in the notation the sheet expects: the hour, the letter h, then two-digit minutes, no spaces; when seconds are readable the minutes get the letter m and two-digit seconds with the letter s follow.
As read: 7h45
